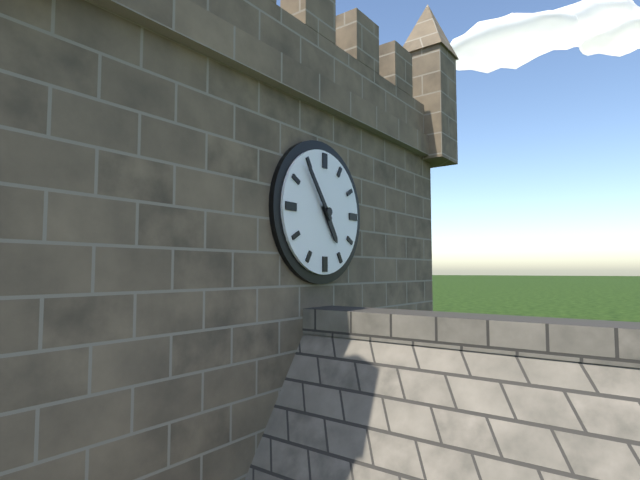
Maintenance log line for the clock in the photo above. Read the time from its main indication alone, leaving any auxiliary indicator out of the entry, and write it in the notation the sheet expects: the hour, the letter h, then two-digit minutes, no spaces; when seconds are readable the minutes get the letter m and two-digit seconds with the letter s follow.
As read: 4h54
